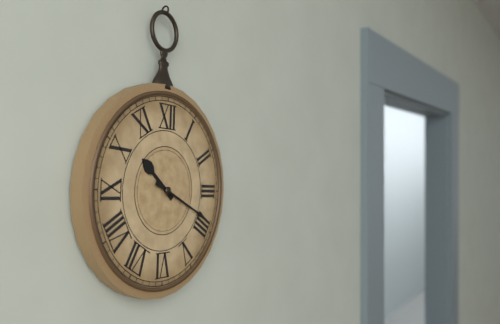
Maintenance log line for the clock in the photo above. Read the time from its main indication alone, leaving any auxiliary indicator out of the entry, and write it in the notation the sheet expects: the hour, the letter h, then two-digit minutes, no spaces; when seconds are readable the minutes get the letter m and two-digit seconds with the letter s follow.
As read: 10h19
